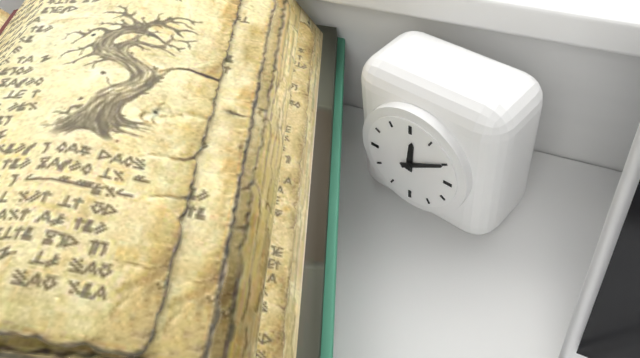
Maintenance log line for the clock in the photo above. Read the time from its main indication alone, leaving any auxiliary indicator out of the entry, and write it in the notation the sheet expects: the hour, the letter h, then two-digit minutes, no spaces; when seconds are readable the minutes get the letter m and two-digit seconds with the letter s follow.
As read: 12h10
